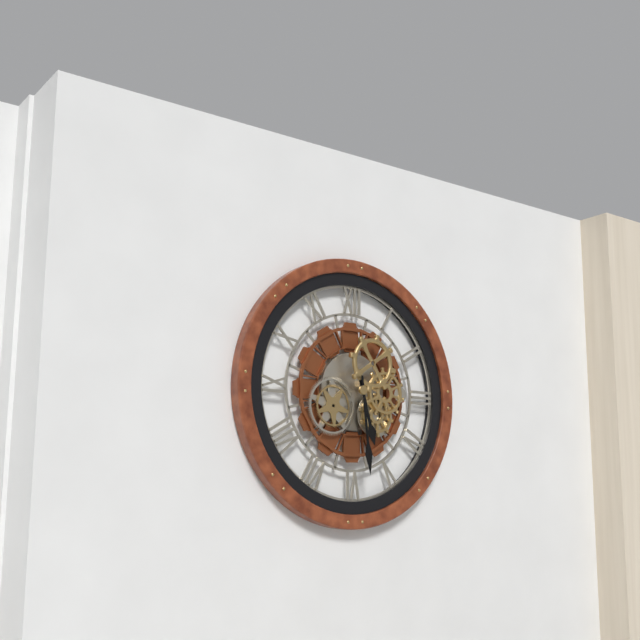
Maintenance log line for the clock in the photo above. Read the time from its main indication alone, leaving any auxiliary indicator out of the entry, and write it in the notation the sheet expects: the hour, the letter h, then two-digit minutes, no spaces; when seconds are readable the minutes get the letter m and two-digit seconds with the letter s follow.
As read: 5h29
